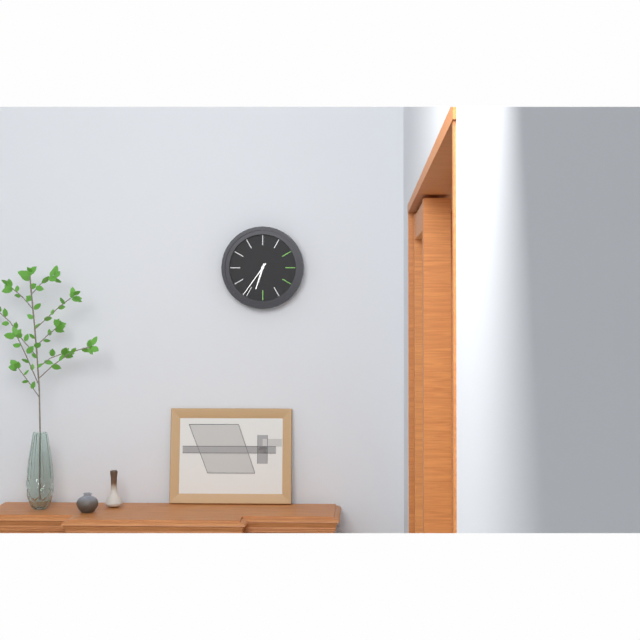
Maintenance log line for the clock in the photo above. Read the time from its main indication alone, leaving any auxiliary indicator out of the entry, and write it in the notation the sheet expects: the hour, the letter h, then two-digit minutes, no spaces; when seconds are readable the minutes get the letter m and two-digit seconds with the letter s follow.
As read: 6h36
